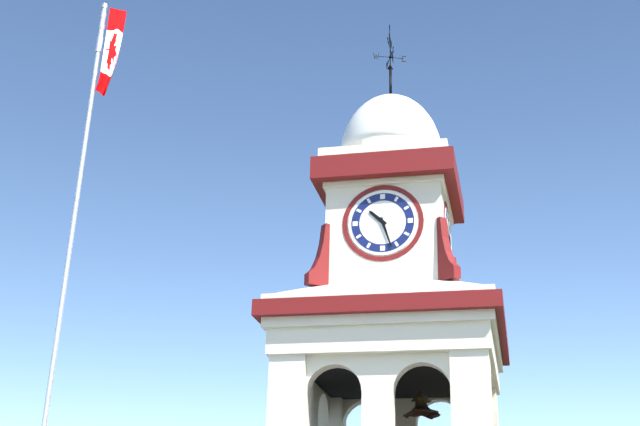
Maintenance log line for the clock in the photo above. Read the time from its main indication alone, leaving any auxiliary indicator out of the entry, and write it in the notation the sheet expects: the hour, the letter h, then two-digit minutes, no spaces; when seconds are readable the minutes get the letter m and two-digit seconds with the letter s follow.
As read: 10h27
